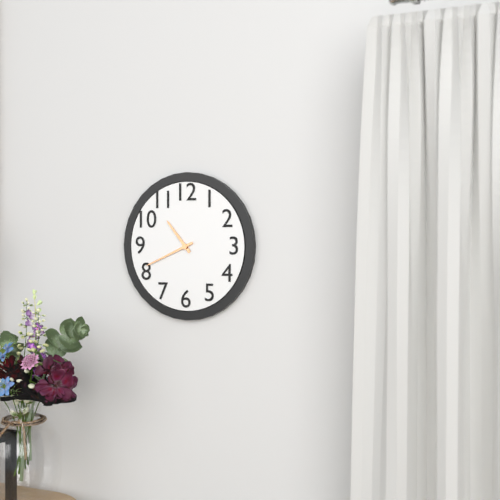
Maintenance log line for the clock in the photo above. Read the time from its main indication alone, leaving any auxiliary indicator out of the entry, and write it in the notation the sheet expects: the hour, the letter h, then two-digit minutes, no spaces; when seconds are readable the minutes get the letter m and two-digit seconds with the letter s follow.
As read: 10h41
